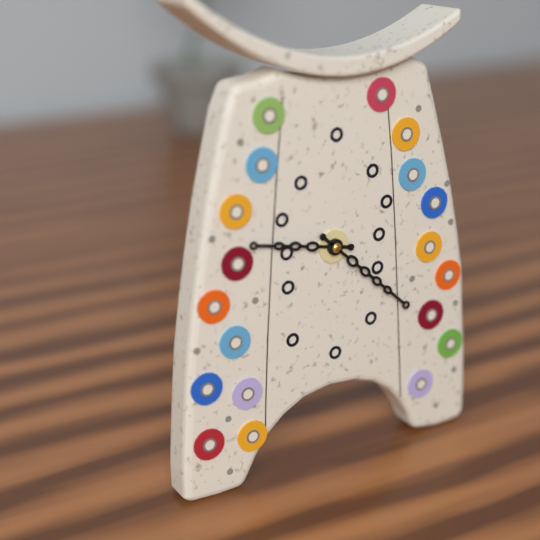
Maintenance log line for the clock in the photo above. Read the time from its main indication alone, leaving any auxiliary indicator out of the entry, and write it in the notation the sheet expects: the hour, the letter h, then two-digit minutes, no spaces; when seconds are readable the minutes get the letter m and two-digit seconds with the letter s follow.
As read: 9h22
